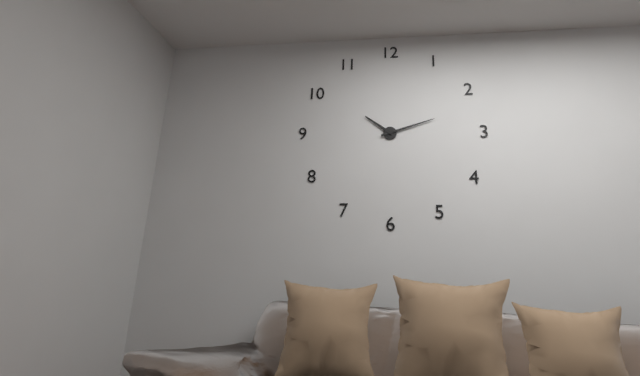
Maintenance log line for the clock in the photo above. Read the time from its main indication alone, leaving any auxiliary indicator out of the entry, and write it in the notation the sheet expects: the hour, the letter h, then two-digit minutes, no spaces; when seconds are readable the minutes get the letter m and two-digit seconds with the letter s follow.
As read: 10h12
